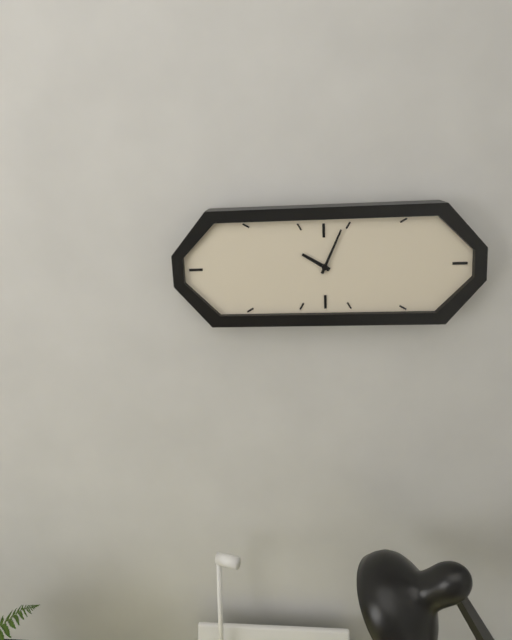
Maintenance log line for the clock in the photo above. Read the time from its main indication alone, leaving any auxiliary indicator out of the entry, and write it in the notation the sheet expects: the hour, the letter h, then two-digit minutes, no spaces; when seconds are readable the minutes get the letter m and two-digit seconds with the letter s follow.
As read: 10h04
